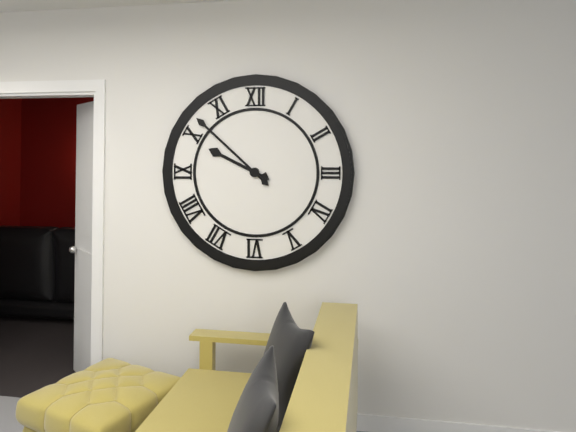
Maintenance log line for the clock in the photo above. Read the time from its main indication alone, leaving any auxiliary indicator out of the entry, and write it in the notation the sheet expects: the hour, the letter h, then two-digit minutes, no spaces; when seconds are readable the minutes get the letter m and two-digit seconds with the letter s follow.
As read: 9h52
